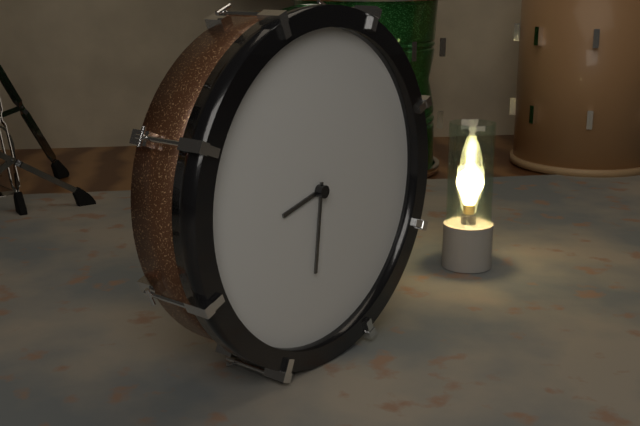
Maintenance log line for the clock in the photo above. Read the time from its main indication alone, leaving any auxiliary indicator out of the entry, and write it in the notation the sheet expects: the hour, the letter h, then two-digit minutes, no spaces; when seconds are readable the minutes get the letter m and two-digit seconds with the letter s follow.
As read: 8h31
